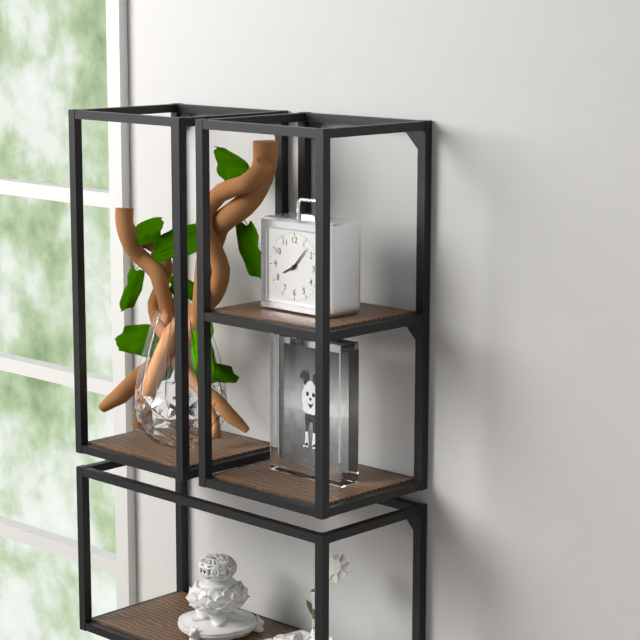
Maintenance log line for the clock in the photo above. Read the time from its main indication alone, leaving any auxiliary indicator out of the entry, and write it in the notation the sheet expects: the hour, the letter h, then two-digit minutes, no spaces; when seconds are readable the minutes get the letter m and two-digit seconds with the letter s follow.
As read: 8h07
